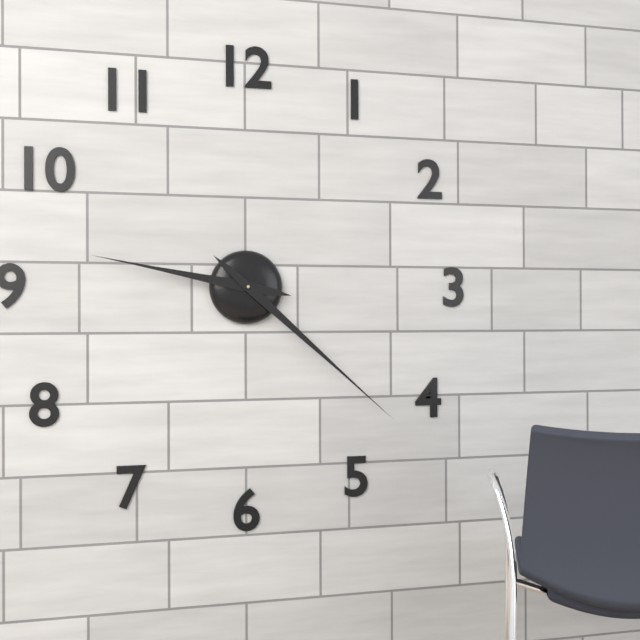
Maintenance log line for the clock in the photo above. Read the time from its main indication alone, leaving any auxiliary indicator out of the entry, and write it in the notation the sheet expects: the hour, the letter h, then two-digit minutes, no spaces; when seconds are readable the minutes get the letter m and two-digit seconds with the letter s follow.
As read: 9h22
